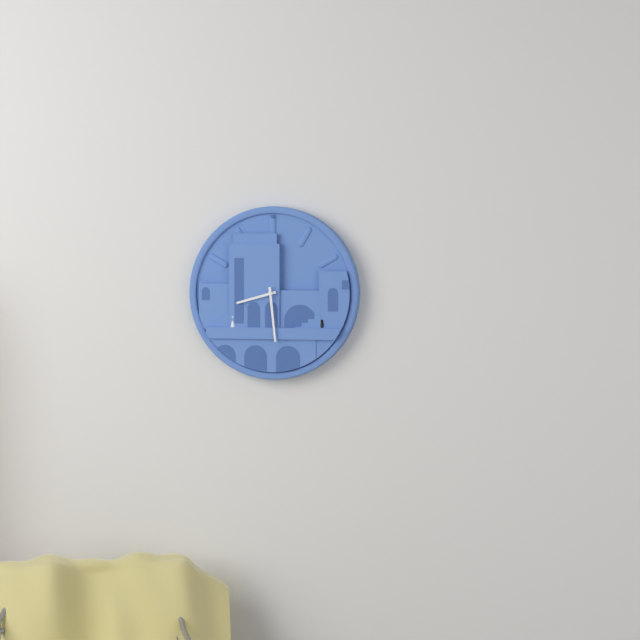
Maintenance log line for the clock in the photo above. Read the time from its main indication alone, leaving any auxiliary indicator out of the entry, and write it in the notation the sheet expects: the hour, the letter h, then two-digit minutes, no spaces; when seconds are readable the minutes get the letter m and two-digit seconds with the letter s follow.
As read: 8h29
